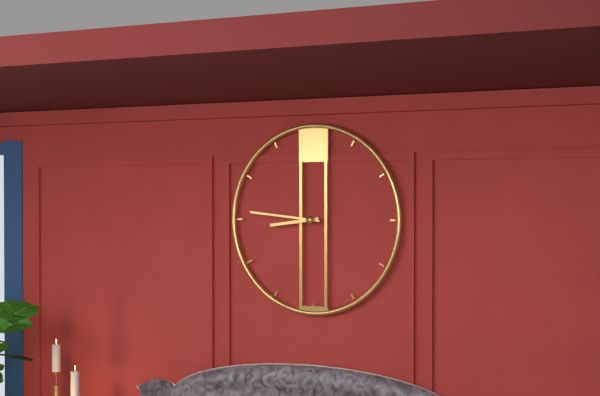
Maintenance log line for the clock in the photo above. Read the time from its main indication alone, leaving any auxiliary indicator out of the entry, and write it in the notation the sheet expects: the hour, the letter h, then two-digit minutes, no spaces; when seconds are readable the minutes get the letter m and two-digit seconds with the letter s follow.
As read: 8h46
